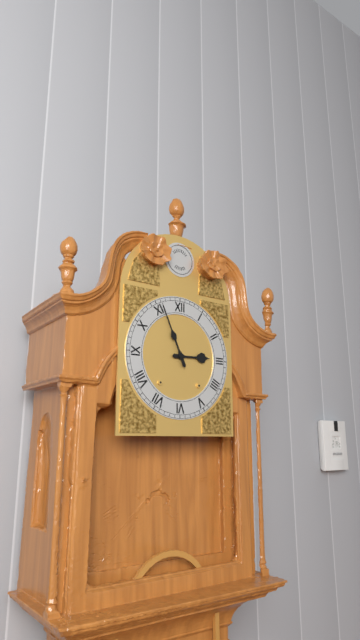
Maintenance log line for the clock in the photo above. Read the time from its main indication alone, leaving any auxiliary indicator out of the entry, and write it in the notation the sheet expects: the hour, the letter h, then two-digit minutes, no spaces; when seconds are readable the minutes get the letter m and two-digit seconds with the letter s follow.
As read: 2h56
